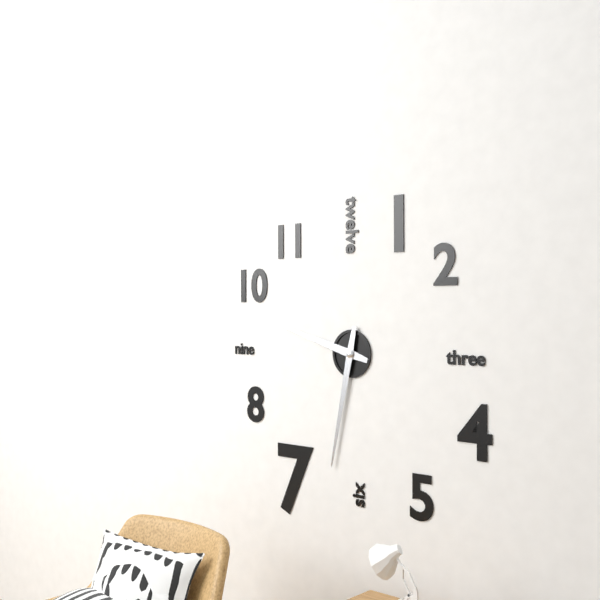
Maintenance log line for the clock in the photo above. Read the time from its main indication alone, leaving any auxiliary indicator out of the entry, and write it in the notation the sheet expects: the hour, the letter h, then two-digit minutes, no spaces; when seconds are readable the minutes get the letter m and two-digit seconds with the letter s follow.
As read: 9h32
